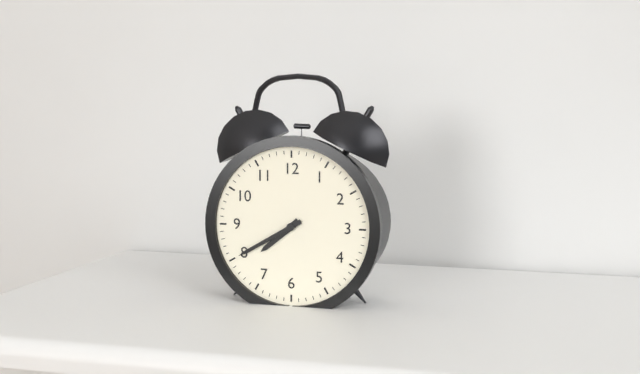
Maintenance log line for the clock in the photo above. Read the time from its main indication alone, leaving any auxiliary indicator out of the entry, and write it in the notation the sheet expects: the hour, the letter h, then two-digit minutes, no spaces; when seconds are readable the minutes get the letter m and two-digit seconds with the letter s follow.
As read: 7h40
